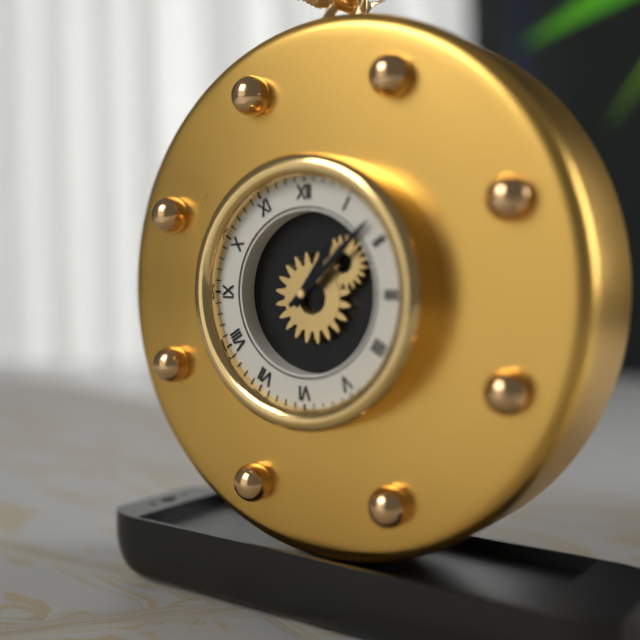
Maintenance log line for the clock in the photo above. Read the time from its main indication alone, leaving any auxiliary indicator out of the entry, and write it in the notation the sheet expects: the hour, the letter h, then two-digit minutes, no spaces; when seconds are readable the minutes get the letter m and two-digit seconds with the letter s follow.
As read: 1h08
